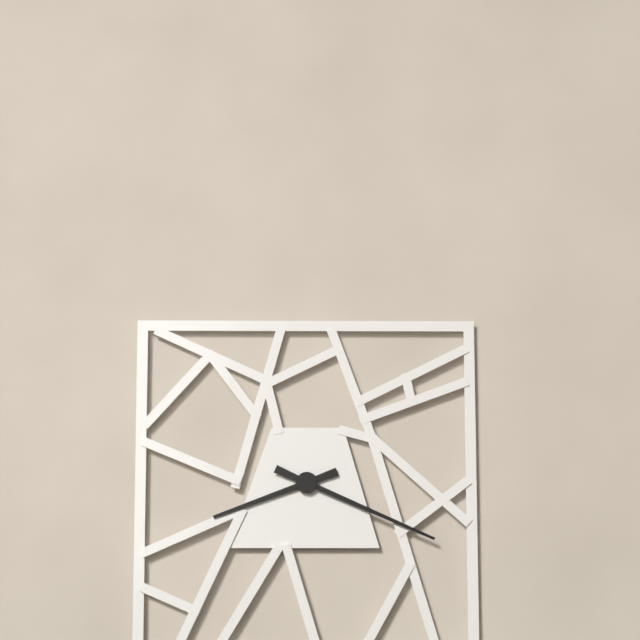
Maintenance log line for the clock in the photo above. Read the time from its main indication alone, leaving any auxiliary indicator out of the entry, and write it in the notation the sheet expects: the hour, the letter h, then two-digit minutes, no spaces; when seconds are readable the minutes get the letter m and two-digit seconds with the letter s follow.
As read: 8h19
